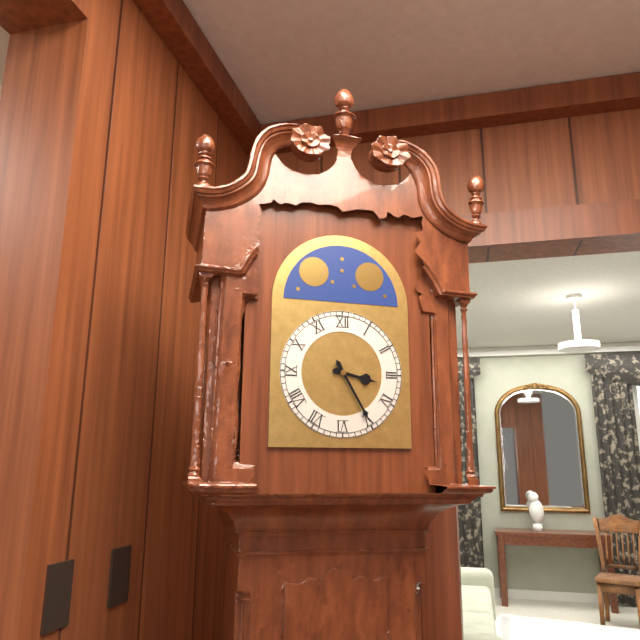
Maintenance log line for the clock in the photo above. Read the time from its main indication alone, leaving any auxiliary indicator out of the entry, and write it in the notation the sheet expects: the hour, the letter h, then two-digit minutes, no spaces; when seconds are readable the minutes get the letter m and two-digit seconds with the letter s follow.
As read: 3h25
